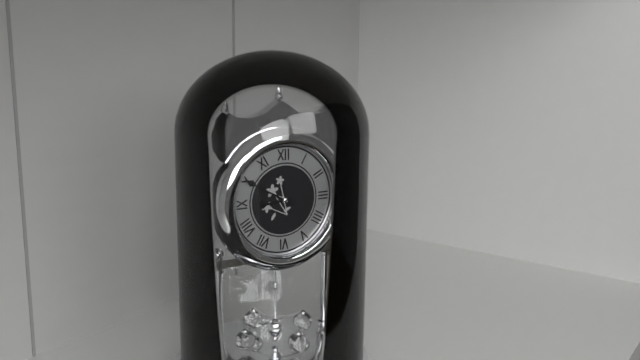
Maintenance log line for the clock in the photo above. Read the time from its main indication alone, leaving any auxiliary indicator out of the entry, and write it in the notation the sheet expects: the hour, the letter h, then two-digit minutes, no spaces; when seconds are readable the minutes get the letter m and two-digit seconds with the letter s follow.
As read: 8h50
